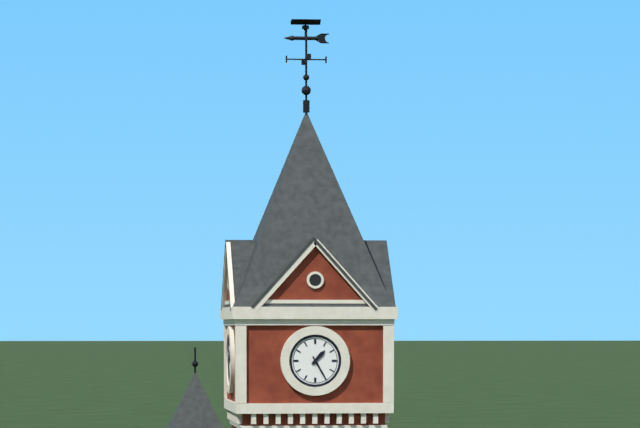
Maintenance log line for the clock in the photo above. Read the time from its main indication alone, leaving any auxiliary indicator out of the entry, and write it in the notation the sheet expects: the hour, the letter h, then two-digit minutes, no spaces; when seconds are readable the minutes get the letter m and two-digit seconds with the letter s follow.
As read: 1h25
